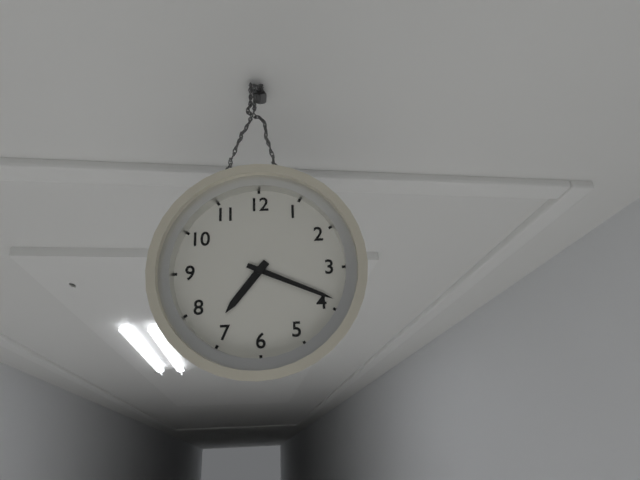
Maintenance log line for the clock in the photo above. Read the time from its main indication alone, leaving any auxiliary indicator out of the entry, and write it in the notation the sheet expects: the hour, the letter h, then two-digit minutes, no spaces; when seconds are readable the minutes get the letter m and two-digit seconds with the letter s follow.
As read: 7h19
